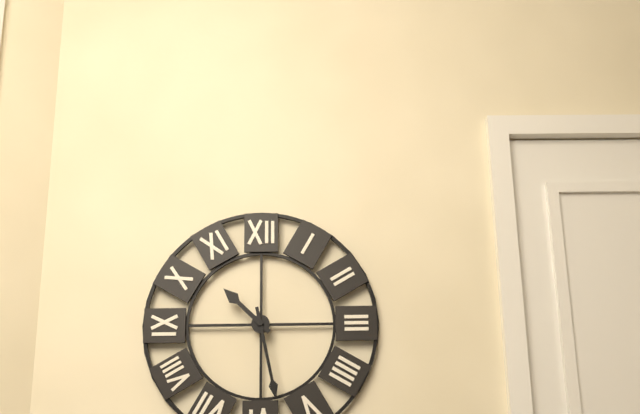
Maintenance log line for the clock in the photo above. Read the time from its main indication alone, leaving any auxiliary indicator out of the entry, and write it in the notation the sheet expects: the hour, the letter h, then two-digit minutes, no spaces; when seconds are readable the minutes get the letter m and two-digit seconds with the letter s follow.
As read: 10h28
